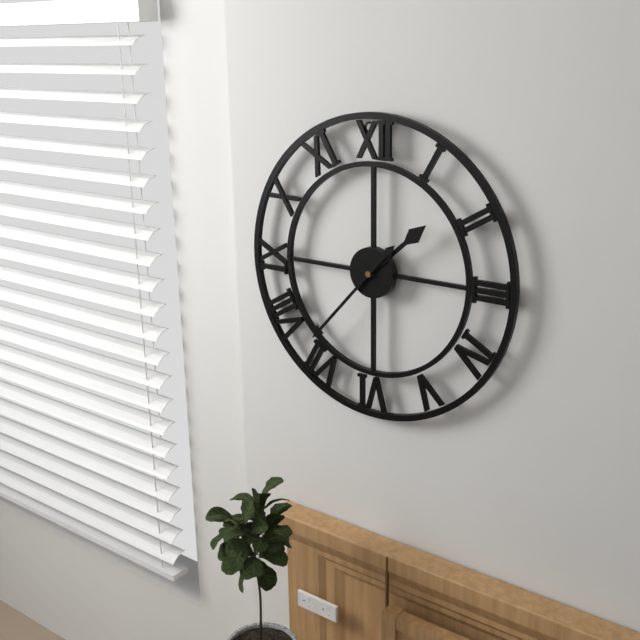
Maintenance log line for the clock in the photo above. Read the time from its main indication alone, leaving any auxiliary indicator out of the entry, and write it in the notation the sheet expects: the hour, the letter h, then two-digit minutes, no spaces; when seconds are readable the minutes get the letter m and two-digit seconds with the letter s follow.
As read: 1h37
